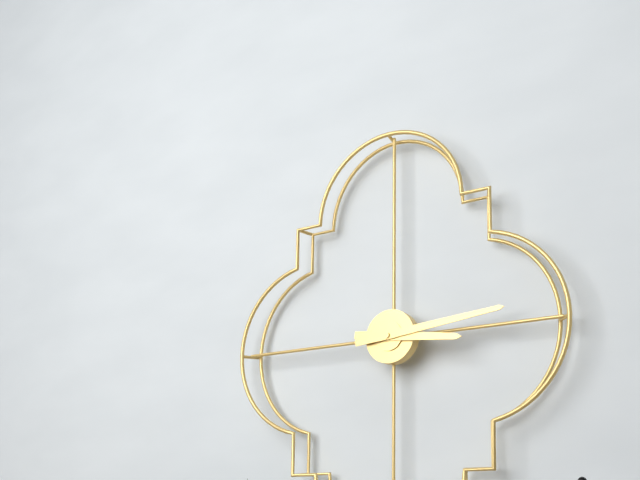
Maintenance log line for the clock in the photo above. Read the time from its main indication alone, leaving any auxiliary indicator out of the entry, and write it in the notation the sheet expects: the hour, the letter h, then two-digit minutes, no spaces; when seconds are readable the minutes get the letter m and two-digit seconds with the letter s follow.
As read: 3h14
